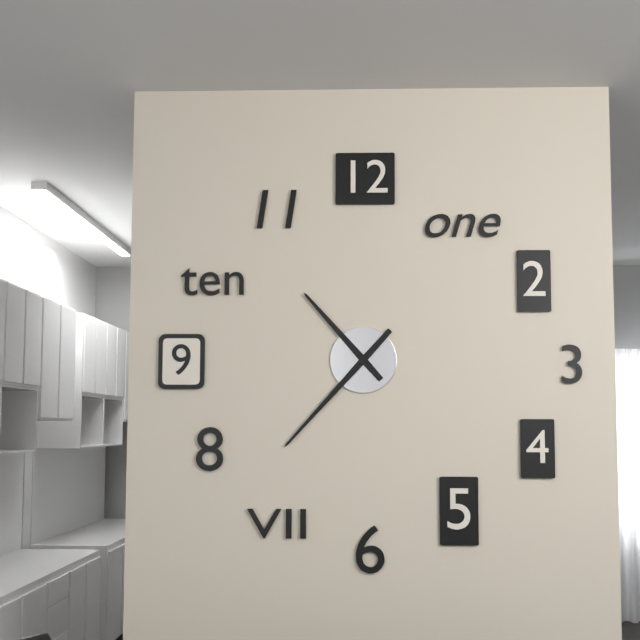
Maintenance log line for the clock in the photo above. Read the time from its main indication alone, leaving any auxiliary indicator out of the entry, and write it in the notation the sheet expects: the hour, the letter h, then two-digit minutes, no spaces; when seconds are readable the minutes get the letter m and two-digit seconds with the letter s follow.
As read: 10h37
